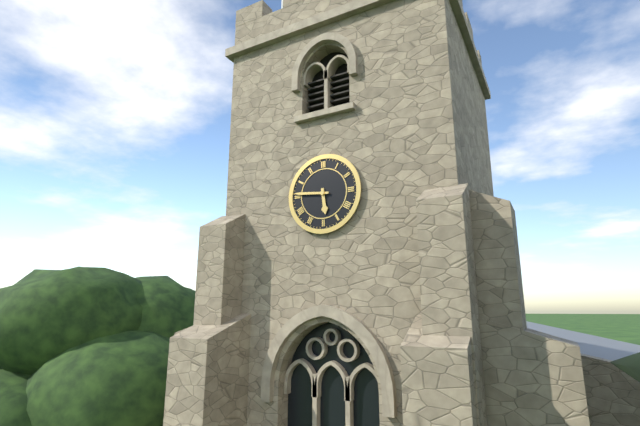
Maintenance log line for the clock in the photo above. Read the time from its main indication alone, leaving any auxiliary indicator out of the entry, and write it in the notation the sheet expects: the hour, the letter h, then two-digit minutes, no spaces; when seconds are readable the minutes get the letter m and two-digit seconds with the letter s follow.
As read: 5h46
